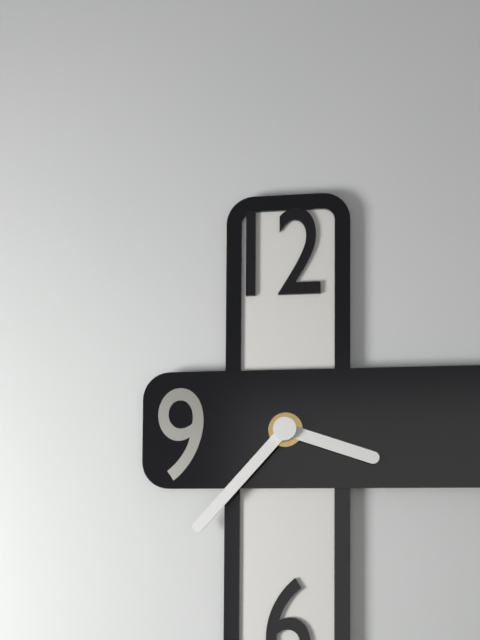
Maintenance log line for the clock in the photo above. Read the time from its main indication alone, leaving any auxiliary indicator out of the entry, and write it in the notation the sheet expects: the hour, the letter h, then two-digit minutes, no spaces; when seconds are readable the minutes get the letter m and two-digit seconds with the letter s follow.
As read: 3h37
